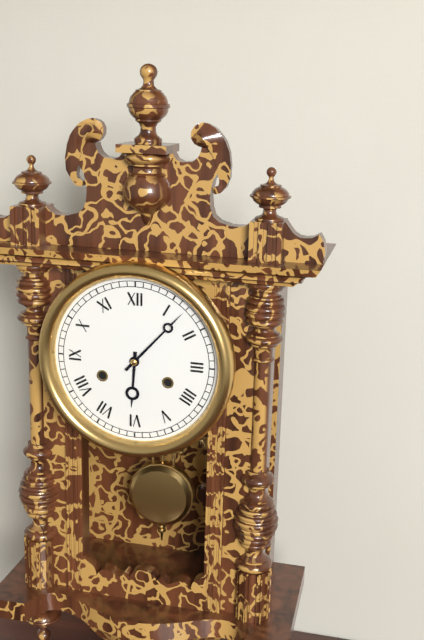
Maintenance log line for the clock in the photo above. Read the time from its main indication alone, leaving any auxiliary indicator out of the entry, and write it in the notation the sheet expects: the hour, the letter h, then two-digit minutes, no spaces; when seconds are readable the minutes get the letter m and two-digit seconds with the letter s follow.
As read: 6h07
